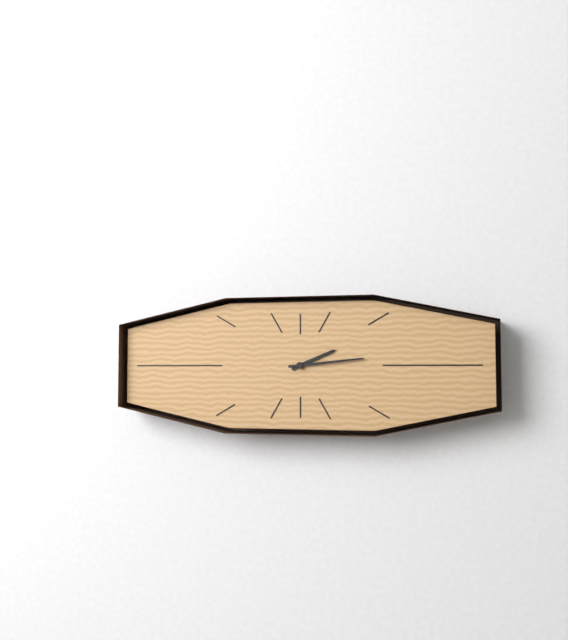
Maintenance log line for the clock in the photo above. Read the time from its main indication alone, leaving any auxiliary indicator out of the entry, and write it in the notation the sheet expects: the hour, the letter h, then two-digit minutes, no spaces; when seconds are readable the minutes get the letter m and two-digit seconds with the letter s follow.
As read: 2h14
